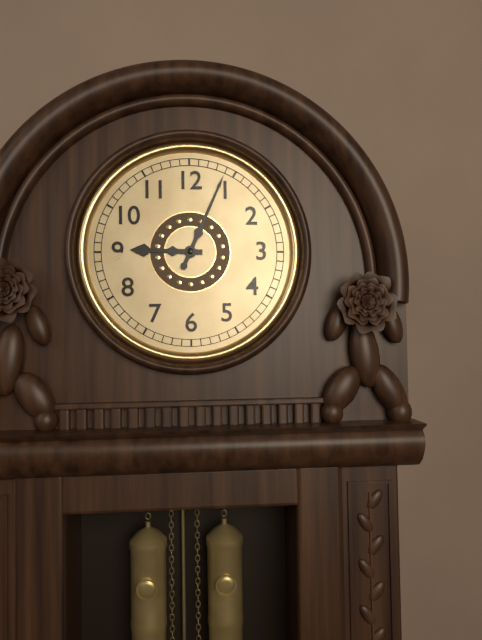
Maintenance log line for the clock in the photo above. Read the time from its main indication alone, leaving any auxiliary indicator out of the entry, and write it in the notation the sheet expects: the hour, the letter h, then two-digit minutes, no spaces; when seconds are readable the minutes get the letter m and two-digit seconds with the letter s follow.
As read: 9h04
